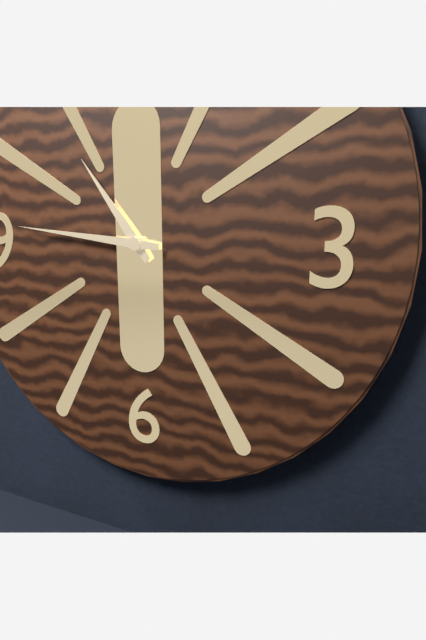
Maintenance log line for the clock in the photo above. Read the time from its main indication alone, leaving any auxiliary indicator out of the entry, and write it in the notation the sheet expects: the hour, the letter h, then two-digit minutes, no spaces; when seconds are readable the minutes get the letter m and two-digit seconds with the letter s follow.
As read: 10h46
